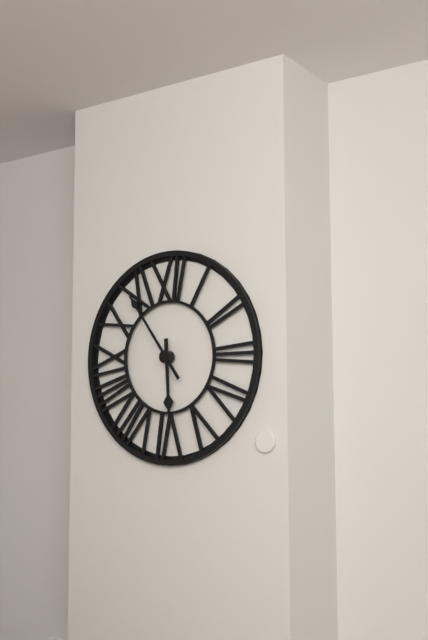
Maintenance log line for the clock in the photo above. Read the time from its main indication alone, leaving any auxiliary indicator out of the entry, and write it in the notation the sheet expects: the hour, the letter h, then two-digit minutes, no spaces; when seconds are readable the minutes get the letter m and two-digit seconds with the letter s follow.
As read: 5h54
